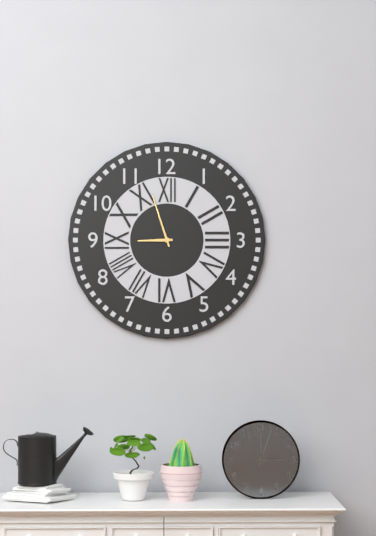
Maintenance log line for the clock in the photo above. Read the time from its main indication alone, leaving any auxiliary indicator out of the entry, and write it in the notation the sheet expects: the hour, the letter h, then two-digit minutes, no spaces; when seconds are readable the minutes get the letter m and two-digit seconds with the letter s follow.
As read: 8h57
